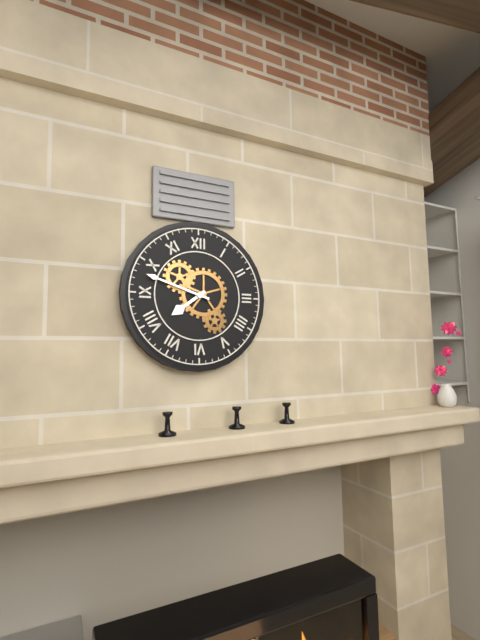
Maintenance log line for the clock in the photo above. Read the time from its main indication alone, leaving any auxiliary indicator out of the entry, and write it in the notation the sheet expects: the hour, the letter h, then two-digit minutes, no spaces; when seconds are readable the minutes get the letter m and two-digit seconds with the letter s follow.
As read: 7h48
